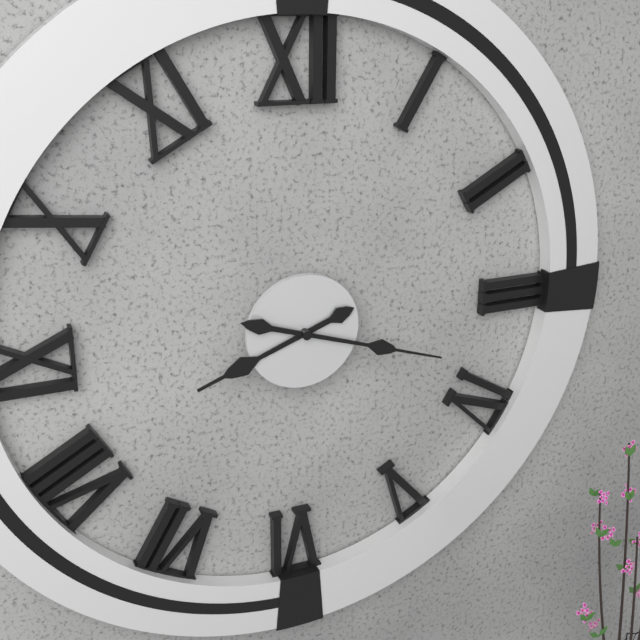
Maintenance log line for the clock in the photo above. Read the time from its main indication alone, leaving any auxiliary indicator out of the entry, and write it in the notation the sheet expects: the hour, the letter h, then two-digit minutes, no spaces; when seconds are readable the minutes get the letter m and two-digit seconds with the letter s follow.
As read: 8h18
